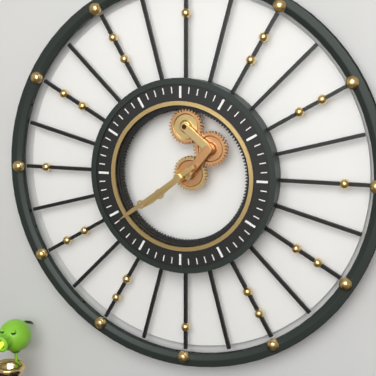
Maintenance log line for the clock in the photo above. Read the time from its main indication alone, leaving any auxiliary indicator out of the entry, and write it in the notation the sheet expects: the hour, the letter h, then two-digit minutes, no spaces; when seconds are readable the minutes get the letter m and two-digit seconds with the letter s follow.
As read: 7h39
